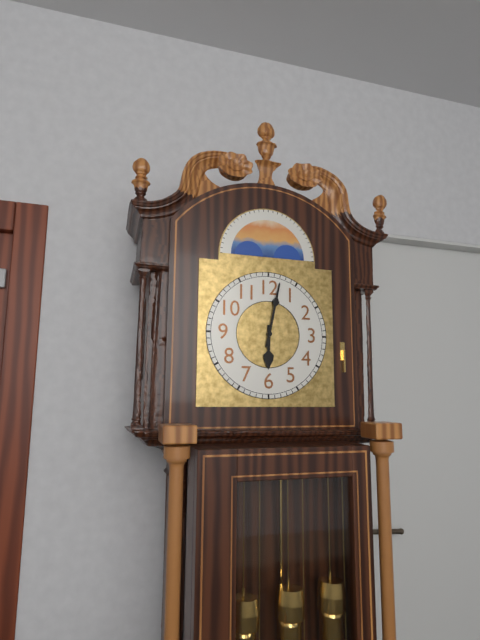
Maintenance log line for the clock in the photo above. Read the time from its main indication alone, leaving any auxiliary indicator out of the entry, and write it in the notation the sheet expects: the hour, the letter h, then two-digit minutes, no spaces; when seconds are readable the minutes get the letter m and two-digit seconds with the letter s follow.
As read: 6h02
